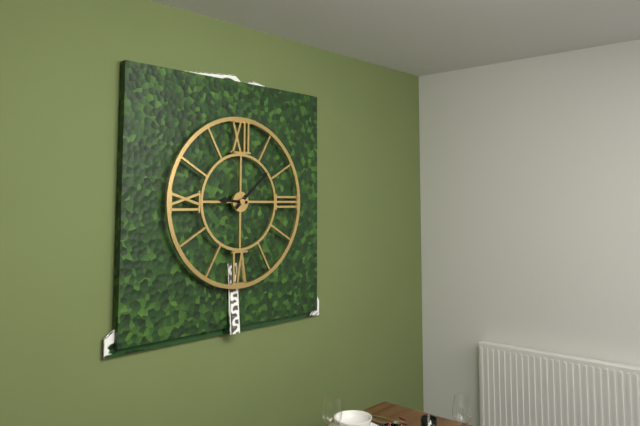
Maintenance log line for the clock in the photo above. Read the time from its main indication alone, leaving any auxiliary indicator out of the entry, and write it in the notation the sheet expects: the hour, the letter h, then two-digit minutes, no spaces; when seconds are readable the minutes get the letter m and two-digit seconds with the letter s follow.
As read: 9h08
